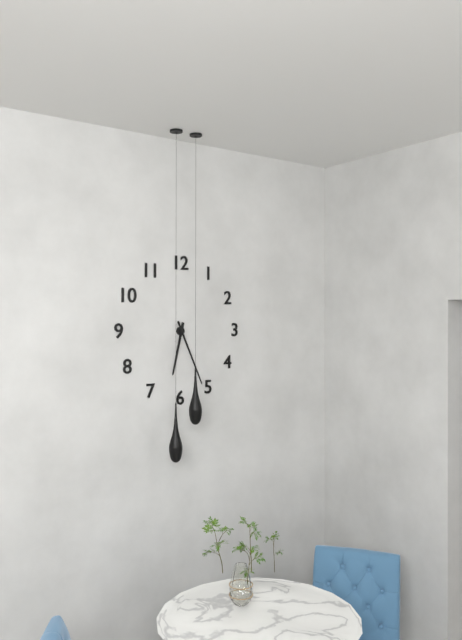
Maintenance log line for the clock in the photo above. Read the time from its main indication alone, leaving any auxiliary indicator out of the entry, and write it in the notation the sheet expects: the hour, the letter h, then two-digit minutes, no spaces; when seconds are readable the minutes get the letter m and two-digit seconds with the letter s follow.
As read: 6h26
